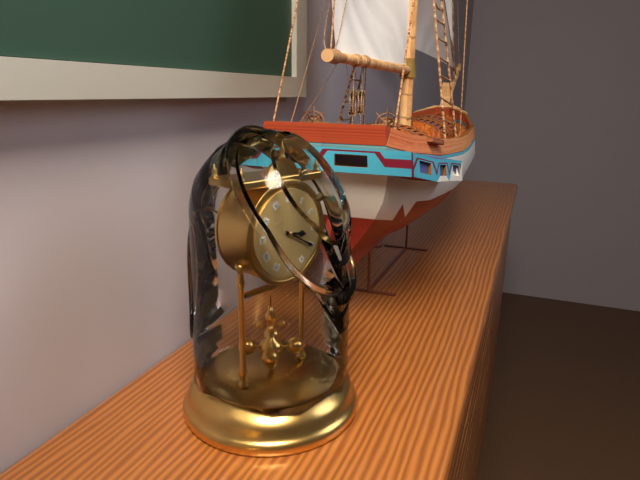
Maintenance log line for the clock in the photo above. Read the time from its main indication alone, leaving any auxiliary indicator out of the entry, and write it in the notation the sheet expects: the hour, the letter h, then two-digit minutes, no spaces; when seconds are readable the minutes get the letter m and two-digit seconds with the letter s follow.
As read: 3h20
